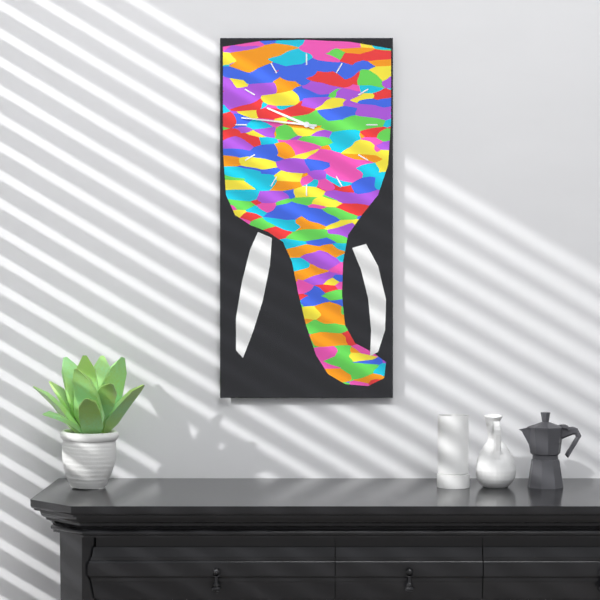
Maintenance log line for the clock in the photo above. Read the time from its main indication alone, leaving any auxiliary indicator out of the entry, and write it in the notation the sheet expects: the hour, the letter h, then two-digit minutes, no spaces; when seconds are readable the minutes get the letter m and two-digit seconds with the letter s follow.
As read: 9h46
